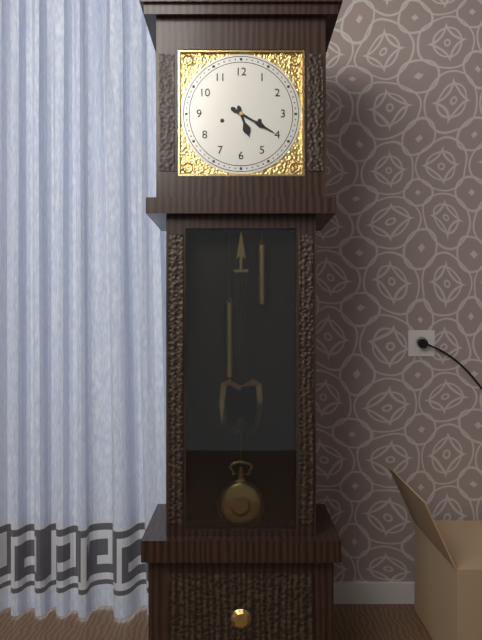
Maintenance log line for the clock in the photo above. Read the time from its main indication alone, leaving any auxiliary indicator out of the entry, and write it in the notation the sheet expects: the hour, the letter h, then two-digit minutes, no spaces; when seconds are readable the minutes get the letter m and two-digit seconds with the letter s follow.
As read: 5h20
